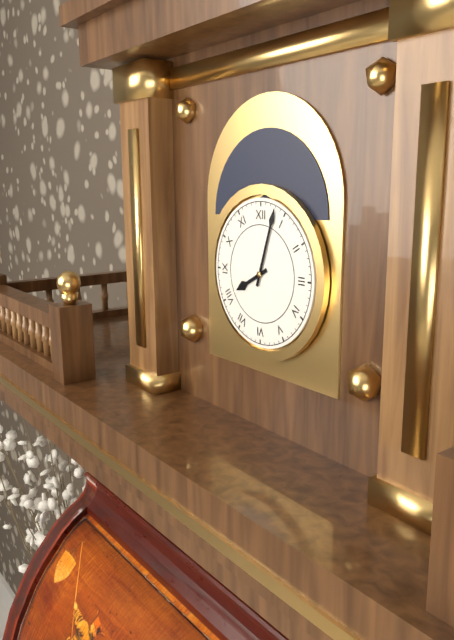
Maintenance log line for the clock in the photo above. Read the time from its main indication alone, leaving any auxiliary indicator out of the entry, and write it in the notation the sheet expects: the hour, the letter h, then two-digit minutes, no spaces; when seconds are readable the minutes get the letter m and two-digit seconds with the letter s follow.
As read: 8h03
